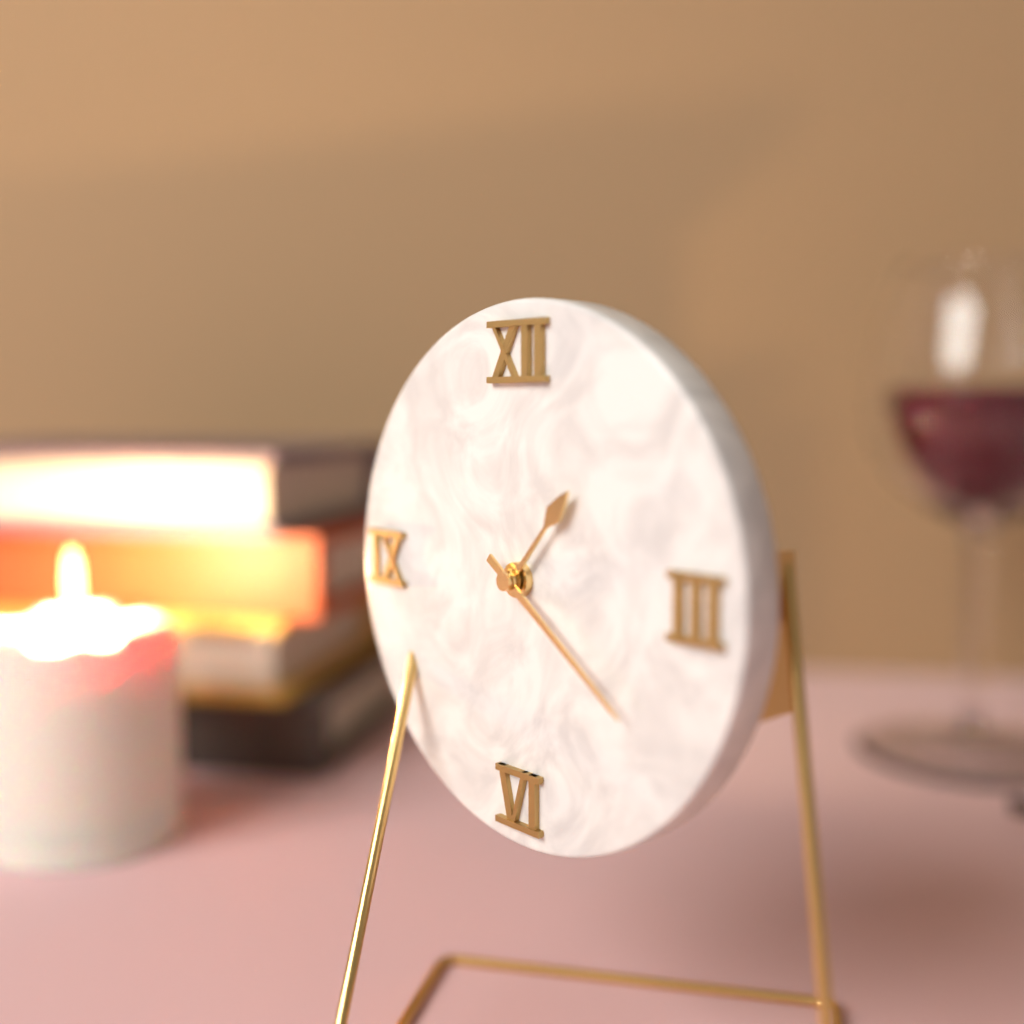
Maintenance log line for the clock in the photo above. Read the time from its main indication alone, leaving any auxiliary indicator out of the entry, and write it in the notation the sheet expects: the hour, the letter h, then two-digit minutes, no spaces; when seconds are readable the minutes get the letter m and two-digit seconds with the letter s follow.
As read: 1h21
